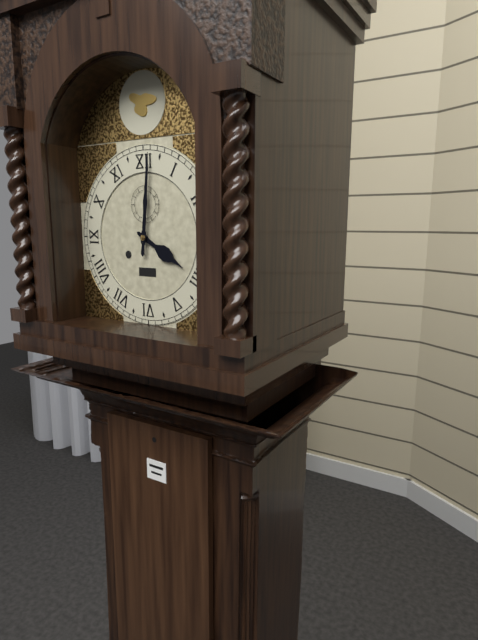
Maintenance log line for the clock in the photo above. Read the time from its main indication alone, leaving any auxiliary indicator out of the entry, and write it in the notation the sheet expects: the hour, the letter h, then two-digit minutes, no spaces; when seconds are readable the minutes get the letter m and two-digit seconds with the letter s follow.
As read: 4h01
